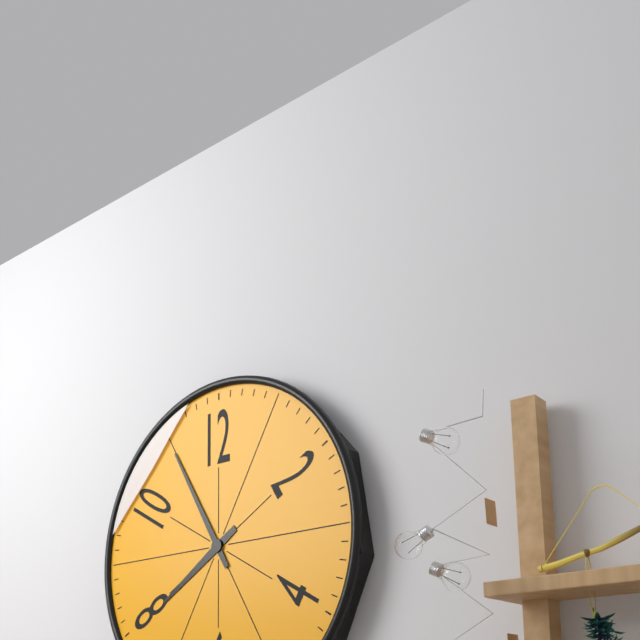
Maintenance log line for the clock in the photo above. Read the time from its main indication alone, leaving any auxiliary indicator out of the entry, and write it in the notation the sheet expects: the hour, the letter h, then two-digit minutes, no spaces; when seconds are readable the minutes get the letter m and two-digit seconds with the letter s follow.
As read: 7h55
